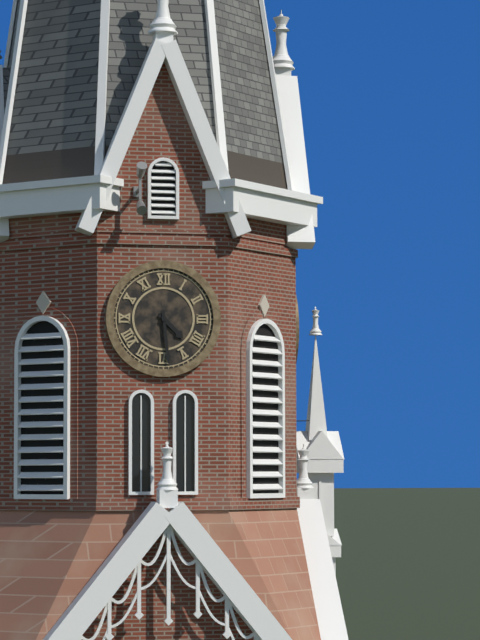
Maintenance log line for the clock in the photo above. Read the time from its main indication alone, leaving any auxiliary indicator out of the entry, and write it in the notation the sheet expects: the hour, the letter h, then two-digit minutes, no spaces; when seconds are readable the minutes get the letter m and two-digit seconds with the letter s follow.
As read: 4h29
